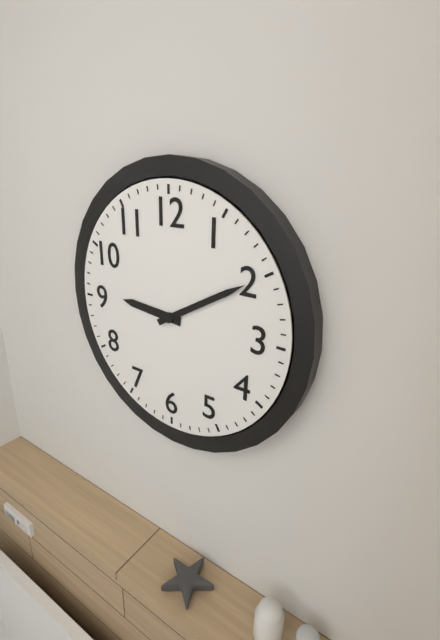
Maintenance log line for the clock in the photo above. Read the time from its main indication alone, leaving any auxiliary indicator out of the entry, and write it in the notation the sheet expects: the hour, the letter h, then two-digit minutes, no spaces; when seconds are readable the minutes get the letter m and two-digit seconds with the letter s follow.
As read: 9h10
